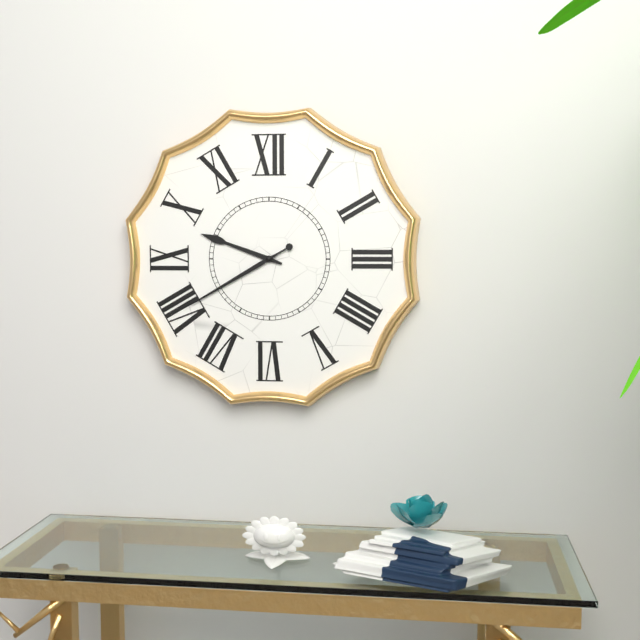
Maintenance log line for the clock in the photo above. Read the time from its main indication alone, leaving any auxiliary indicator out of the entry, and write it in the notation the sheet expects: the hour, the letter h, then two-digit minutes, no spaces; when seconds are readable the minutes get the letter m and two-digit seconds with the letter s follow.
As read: 9h40
